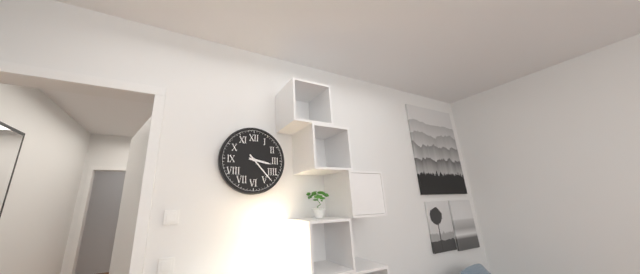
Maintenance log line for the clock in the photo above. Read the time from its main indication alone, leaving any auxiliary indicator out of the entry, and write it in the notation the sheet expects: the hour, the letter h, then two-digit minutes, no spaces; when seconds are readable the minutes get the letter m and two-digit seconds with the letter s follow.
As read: 3h23
